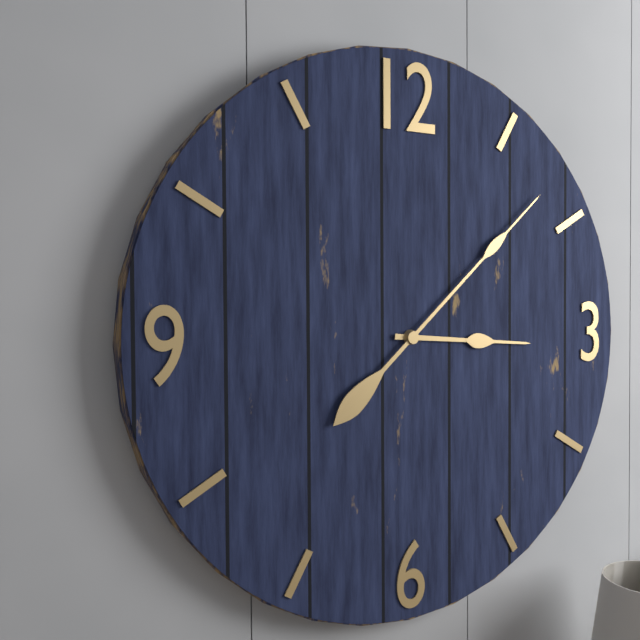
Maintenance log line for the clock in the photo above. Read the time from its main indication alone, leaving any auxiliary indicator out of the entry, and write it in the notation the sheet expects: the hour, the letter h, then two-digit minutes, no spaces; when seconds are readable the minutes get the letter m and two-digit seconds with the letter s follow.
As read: 3h08
